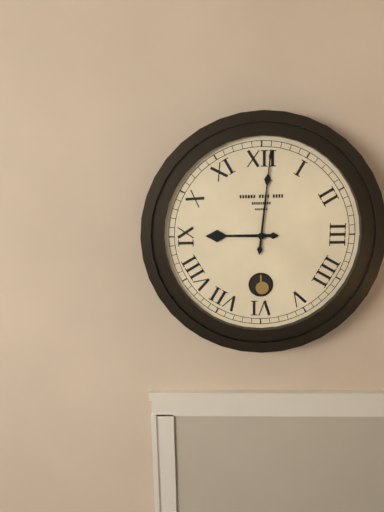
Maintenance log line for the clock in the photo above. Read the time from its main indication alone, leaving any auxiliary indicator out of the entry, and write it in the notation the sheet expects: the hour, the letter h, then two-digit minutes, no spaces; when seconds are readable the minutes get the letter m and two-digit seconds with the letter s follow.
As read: 9h01
